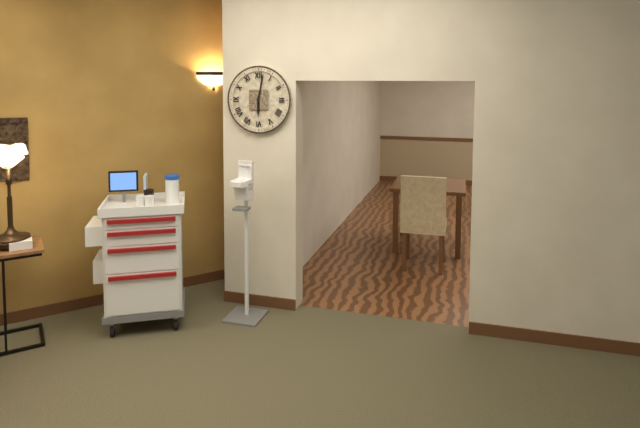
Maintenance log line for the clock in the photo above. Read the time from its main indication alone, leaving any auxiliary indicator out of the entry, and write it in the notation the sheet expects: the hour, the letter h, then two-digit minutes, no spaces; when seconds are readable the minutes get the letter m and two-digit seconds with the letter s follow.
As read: 6h02
